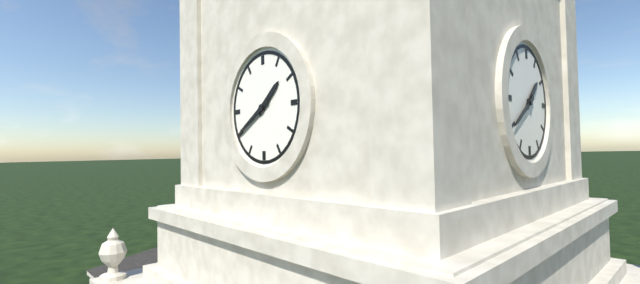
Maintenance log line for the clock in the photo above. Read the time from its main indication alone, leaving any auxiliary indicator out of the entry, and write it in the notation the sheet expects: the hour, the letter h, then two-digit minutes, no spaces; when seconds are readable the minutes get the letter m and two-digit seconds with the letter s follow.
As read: 1h40
